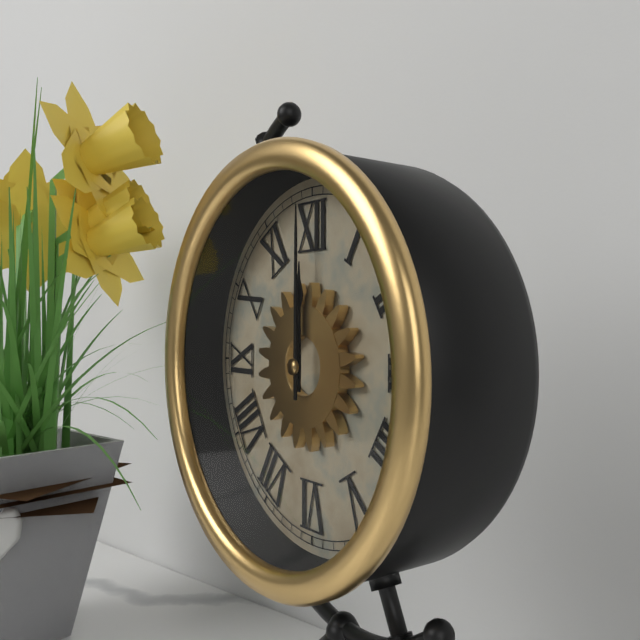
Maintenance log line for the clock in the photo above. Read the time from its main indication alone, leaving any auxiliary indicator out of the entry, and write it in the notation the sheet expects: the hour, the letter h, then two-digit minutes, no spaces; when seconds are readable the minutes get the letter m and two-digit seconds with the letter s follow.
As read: 12h00
